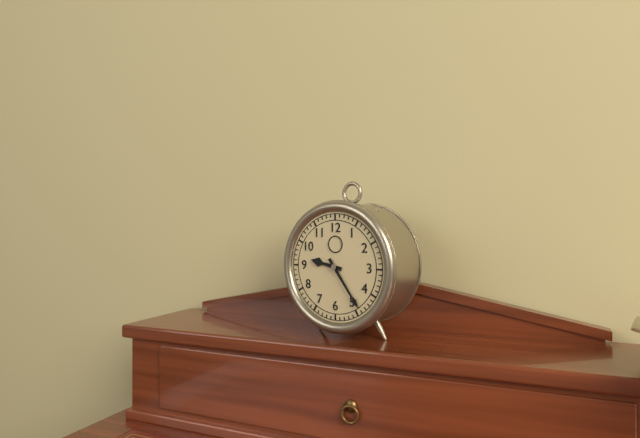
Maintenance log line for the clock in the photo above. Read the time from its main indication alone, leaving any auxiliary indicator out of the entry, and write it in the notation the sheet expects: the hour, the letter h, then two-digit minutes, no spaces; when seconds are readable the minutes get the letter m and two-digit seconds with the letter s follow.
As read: 9h24
